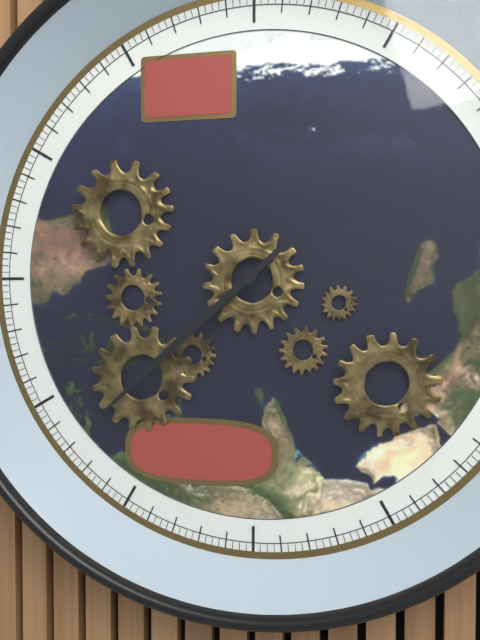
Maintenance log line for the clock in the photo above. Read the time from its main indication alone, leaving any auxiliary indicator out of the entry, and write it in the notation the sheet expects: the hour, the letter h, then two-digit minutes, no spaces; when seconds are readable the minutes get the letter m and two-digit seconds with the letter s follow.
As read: 7h38
